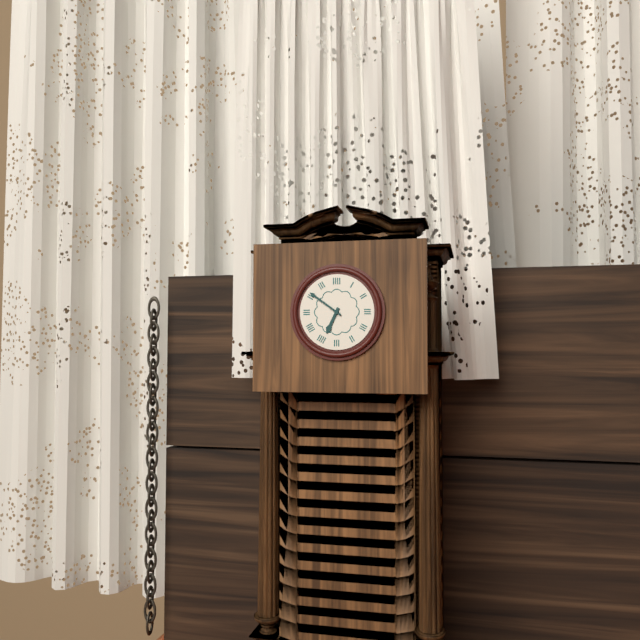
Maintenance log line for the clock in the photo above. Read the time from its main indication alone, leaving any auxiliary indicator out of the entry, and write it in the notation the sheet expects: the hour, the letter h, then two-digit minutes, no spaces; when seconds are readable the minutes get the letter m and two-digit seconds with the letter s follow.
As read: 6h51
